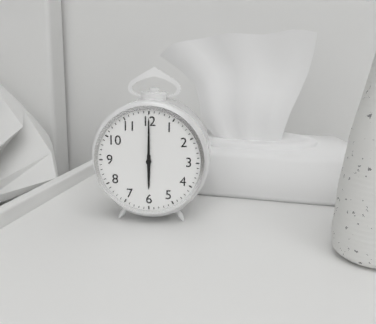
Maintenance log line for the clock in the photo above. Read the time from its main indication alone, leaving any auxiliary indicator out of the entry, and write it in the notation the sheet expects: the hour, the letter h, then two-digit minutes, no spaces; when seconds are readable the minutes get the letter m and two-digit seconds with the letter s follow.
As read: 6h00
